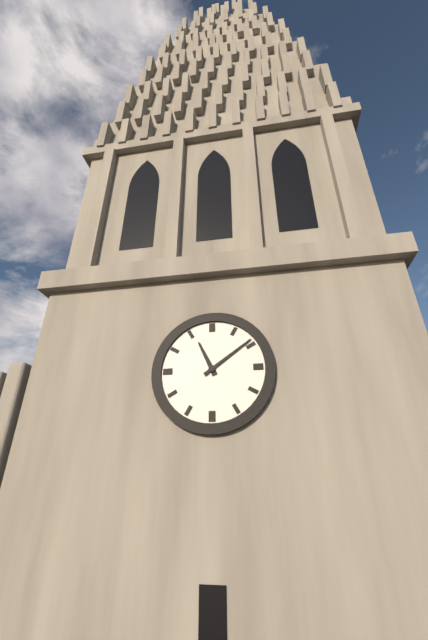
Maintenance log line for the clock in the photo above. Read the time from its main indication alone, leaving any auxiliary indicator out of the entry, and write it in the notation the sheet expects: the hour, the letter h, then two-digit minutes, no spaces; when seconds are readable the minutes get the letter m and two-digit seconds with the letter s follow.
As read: 11h09
